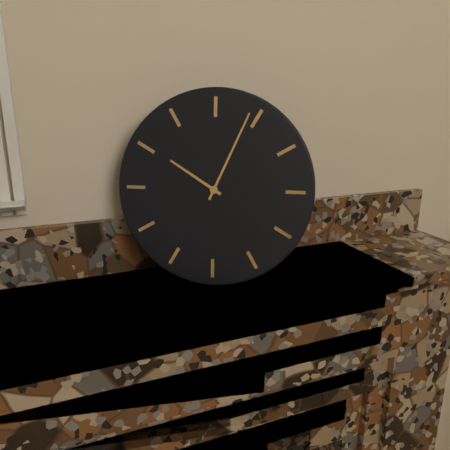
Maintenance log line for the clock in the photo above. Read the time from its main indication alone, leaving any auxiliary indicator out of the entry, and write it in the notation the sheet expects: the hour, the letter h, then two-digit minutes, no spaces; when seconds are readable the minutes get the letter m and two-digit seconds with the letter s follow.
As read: 10h04
